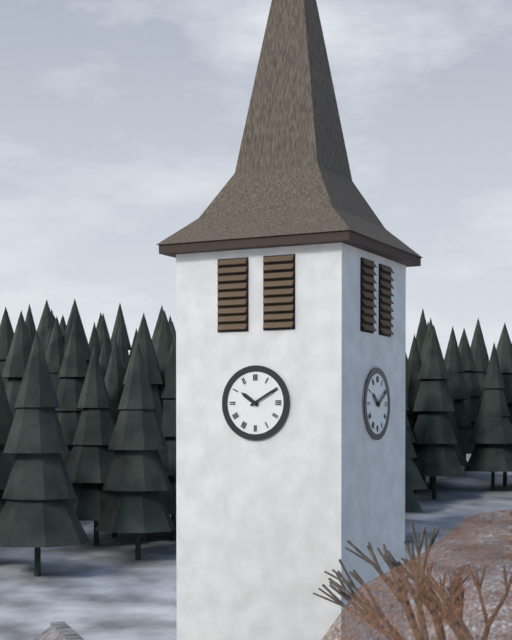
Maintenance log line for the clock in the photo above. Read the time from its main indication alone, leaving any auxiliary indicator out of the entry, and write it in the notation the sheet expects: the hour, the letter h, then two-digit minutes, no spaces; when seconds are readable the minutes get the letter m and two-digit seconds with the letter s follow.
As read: 10h10
